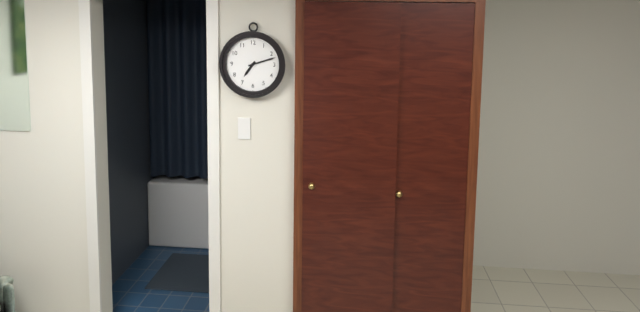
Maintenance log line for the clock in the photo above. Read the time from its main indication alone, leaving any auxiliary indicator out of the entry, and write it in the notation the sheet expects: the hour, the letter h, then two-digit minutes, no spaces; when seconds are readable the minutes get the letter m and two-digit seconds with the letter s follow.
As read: 7h12
